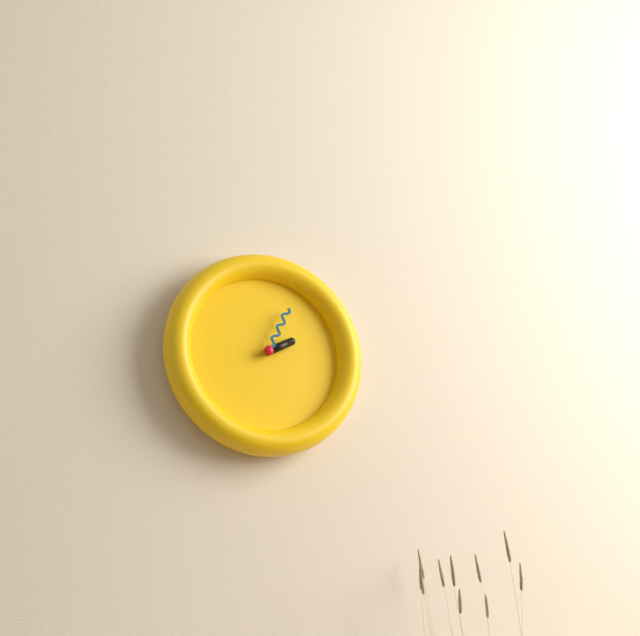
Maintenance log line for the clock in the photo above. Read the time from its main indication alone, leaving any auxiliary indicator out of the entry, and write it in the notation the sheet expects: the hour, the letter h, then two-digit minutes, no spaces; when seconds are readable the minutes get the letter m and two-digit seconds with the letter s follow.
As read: 2h04
